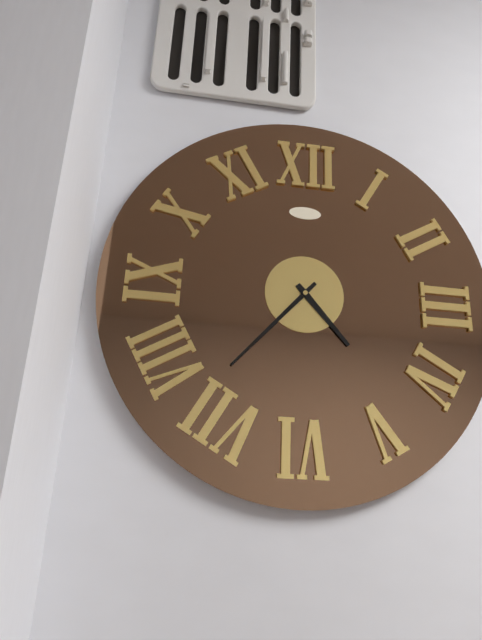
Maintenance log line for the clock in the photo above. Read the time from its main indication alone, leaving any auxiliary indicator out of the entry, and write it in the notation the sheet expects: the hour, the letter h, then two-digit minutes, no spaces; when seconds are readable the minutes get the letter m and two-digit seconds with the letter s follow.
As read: 4h37
